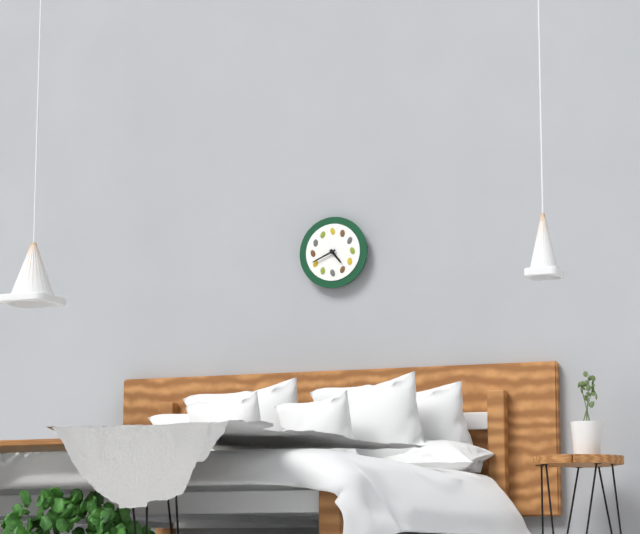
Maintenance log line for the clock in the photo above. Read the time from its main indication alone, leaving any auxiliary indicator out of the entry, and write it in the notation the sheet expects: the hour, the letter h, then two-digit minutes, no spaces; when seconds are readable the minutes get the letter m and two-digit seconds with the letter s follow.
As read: 4h41
